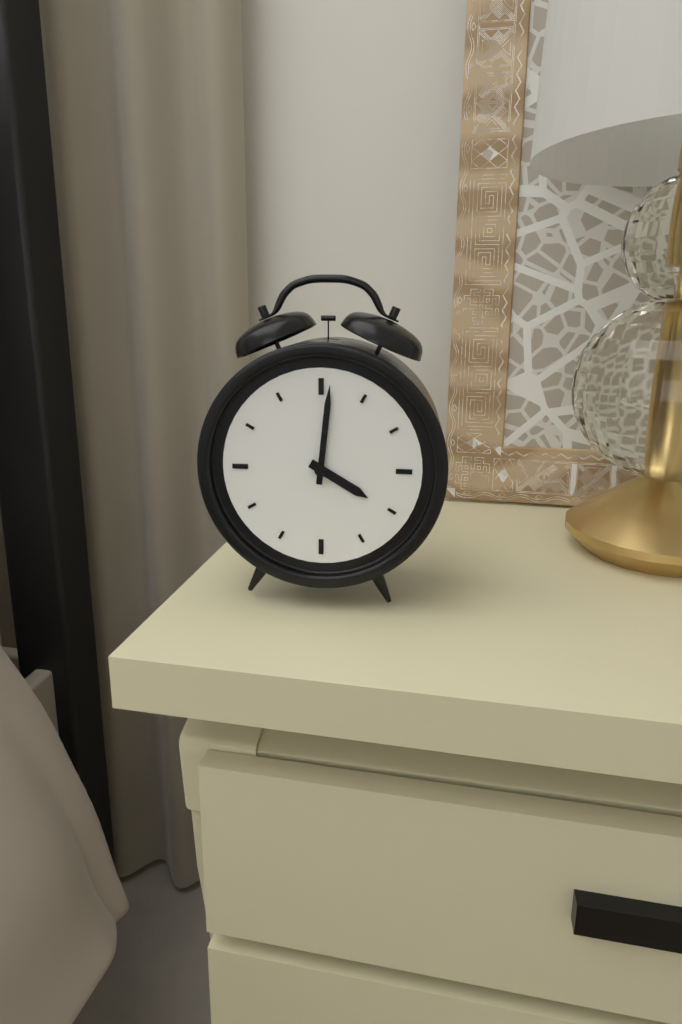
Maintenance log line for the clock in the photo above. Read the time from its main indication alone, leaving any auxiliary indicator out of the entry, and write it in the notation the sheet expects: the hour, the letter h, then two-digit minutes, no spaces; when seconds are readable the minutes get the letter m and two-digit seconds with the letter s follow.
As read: 4h01
